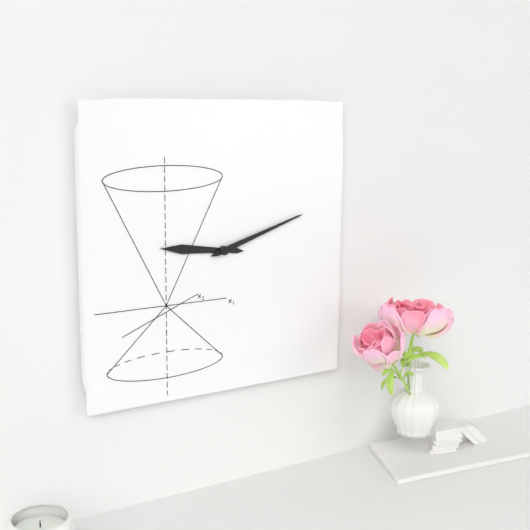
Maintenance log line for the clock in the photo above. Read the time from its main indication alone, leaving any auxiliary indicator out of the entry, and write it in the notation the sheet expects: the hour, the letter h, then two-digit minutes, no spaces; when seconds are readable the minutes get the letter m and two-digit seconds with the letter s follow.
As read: 9h12
